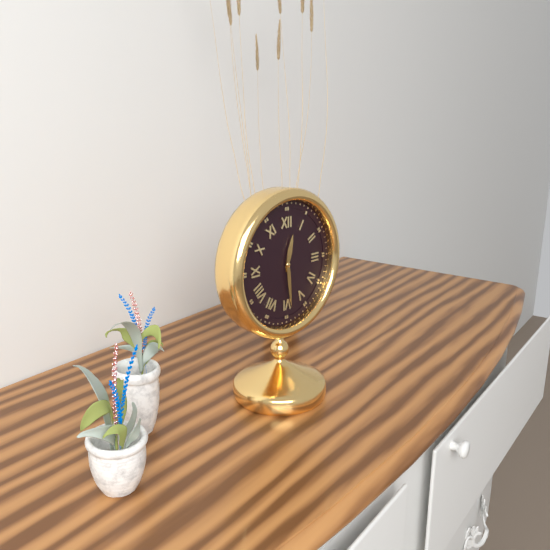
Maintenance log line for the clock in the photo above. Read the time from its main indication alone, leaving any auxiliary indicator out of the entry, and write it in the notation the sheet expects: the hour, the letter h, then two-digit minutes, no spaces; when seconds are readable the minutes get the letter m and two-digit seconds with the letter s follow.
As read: 12h29
